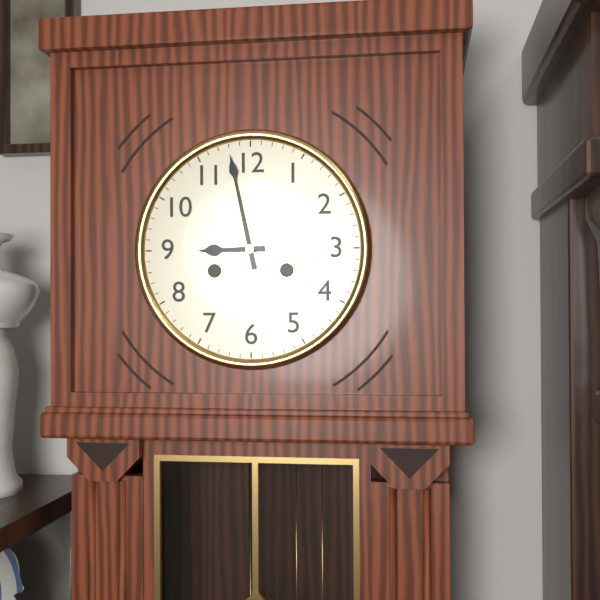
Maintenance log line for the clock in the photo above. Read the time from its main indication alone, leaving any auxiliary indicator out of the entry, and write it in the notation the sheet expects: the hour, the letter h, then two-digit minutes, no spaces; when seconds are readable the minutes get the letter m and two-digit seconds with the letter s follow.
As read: 8h58
